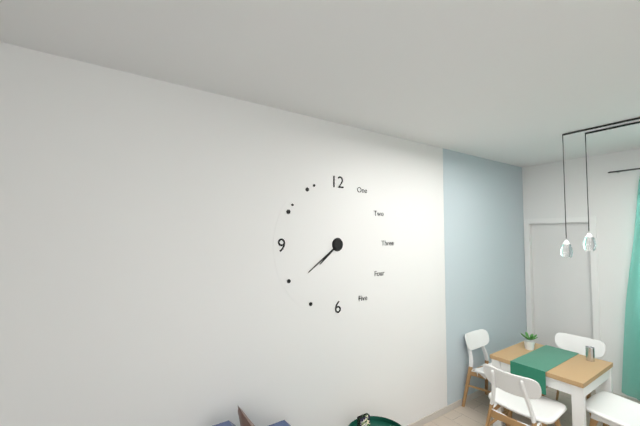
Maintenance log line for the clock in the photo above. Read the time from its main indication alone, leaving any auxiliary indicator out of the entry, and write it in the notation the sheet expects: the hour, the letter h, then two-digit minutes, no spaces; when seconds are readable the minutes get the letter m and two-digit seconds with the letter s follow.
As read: 7h39
